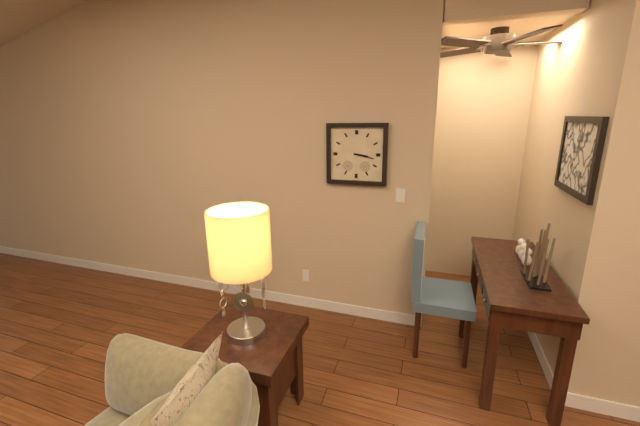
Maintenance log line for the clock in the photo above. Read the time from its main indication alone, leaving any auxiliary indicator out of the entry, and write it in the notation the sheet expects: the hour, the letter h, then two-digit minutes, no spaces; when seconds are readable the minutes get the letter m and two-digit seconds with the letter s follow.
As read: 3h17
